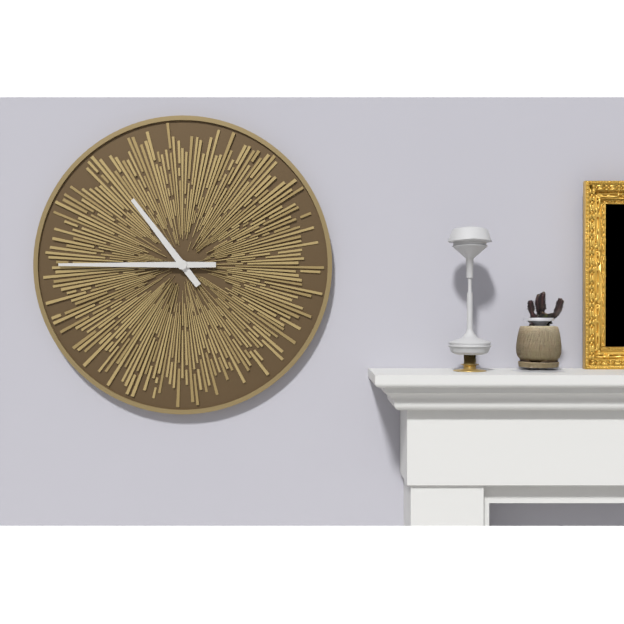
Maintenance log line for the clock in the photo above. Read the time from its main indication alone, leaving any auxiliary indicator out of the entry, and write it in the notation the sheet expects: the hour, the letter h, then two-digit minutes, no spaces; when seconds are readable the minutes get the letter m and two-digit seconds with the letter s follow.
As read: 10h45
